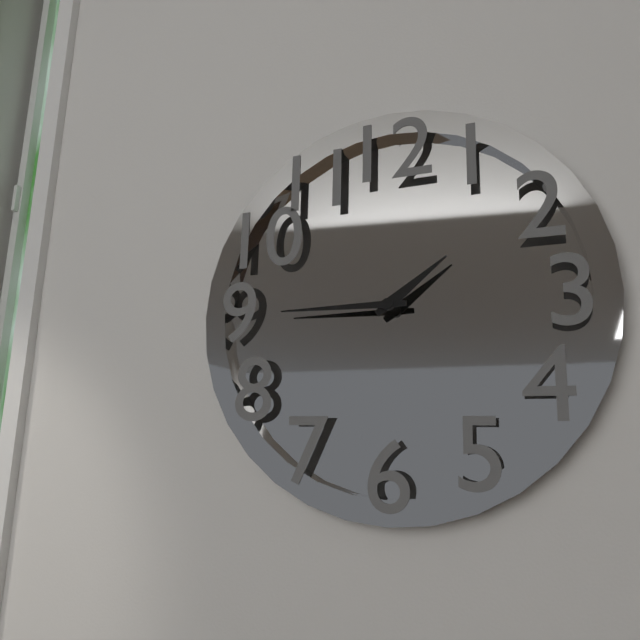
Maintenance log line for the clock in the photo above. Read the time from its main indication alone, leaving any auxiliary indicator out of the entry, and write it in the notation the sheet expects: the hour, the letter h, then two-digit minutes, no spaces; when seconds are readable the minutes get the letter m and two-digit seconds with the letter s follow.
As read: 1h45
